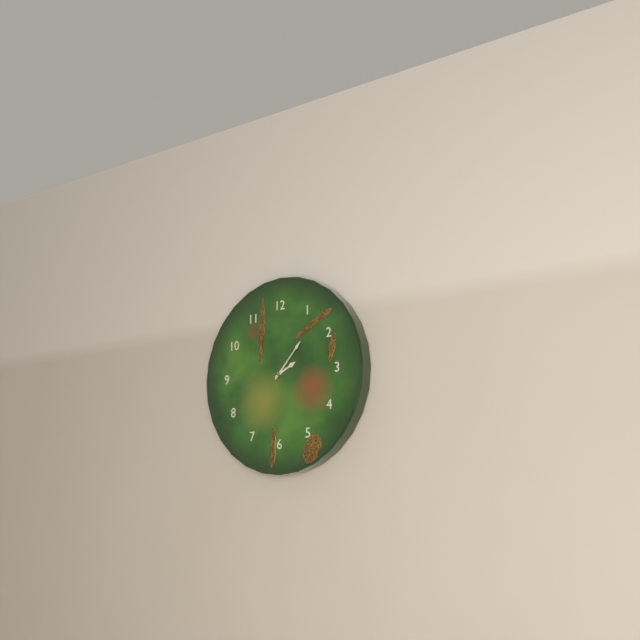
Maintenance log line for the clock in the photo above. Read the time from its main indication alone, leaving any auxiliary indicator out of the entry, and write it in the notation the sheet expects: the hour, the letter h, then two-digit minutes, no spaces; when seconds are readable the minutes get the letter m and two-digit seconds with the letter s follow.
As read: 2h07
